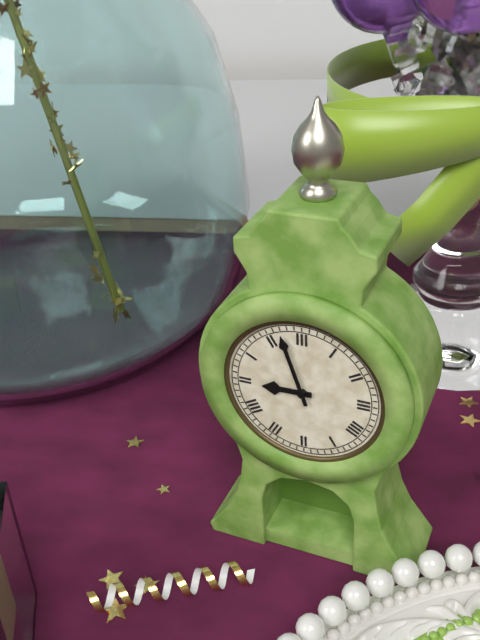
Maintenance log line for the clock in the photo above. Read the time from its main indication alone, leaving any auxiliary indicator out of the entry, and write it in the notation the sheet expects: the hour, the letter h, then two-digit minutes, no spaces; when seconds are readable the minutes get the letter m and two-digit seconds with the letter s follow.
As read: 8h57
